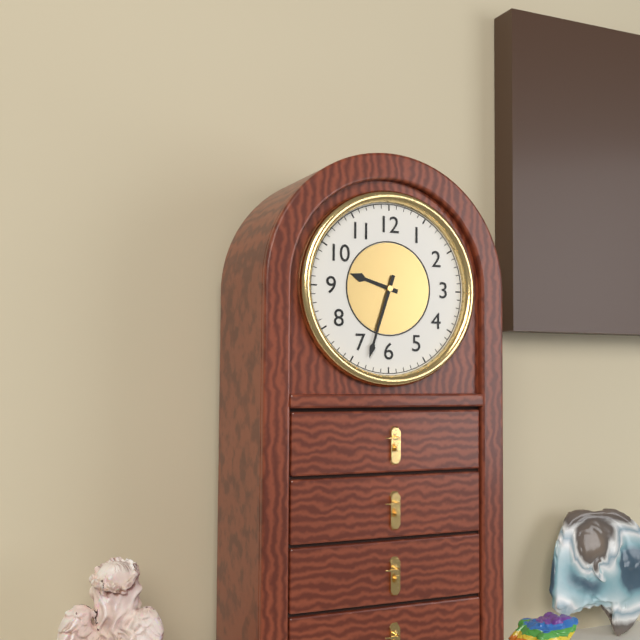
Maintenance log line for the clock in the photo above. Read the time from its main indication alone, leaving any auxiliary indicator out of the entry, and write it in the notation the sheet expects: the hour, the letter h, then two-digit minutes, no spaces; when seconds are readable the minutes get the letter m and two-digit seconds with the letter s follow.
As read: 9h33
